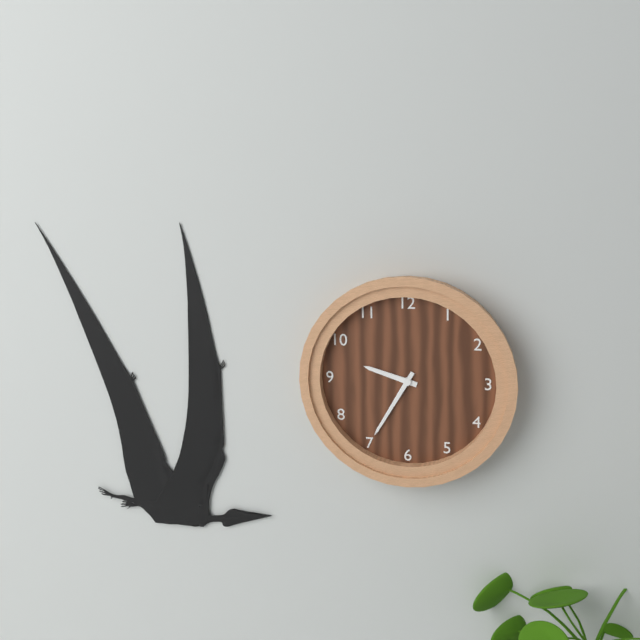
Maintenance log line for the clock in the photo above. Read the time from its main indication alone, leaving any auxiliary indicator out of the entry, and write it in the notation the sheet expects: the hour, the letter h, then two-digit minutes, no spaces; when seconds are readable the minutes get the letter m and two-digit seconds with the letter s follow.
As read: 9h35
